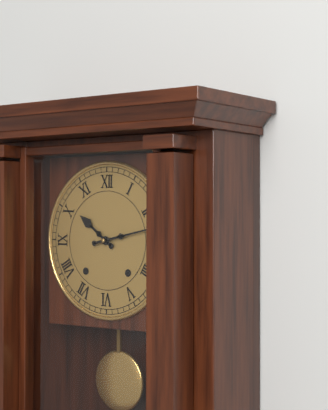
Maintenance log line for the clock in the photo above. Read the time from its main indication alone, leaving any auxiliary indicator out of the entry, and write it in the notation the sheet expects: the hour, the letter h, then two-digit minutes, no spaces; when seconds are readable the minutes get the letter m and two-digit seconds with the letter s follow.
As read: 10h13
